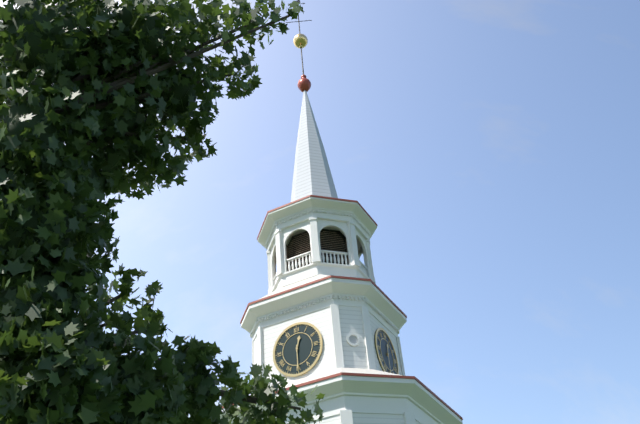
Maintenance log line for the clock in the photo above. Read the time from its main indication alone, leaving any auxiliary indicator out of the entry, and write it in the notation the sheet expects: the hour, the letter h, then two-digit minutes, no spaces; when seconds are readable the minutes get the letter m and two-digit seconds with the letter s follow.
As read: 12h30
